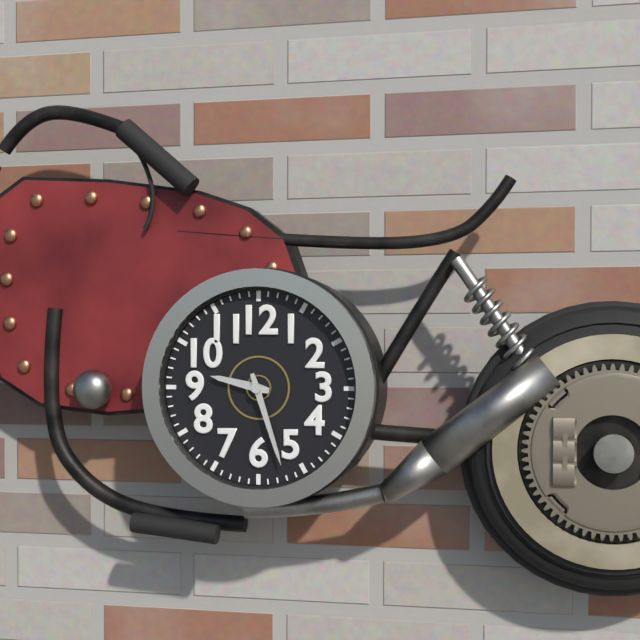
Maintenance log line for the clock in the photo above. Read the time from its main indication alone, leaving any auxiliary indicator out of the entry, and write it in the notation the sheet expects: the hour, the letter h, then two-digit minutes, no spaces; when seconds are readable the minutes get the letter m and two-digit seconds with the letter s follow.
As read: 9h27
